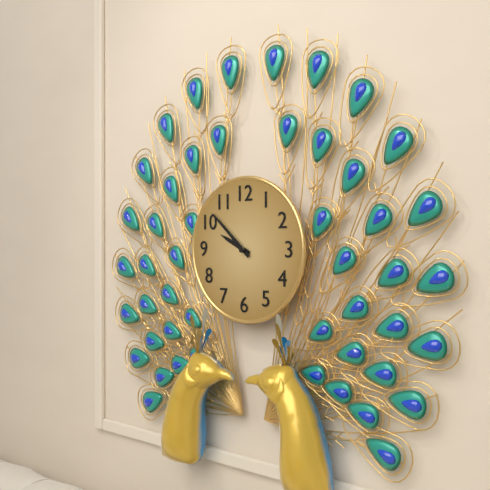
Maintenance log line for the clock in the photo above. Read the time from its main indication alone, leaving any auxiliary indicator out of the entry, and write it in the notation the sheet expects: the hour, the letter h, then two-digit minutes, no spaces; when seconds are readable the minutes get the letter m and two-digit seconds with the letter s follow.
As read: 9h52
